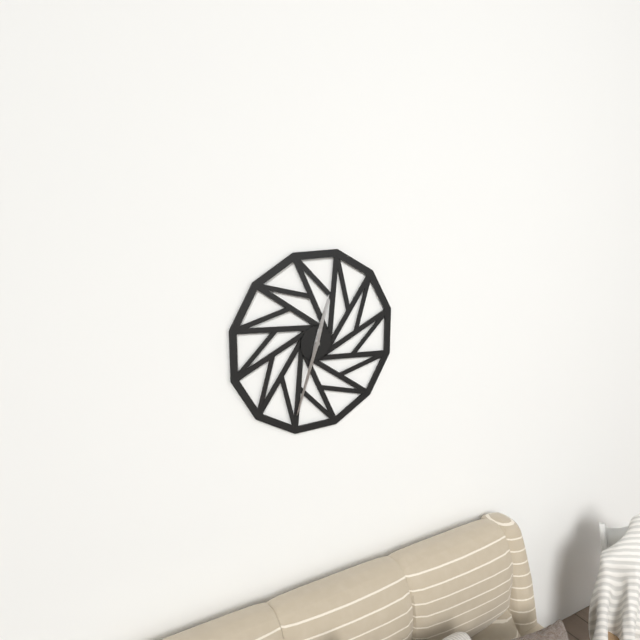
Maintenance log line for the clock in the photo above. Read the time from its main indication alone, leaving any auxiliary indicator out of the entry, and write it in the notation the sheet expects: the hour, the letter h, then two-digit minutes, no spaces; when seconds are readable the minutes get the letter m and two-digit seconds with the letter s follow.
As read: 12h33
